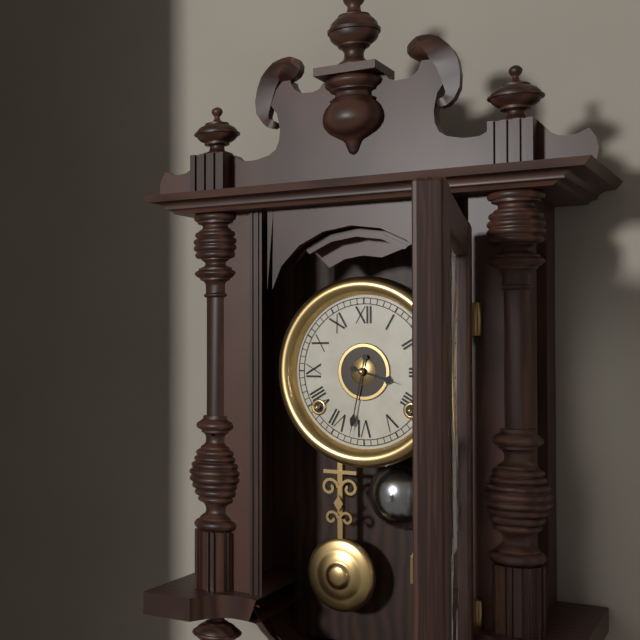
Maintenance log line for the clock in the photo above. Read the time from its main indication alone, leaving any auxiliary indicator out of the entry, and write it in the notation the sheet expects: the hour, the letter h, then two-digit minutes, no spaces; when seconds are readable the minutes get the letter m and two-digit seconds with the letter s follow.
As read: 3h32
